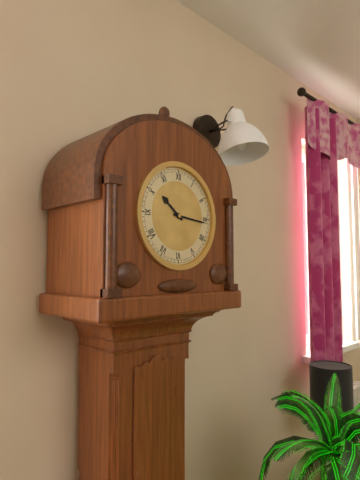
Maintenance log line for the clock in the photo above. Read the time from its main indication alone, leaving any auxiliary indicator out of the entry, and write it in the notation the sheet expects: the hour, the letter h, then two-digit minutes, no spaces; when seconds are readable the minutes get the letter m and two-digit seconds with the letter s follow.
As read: 10h16
